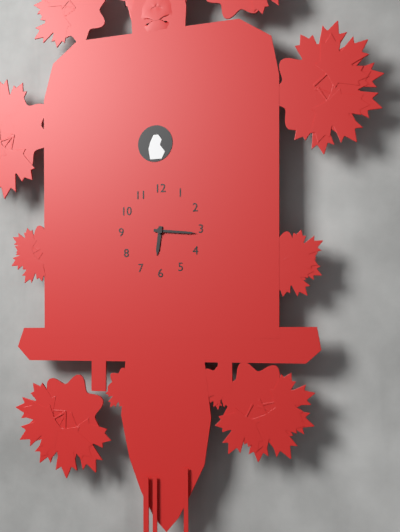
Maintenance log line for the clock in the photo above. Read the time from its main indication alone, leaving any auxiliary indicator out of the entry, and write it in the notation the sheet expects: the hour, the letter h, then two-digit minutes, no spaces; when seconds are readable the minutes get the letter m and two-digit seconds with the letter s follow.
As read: 6h16
